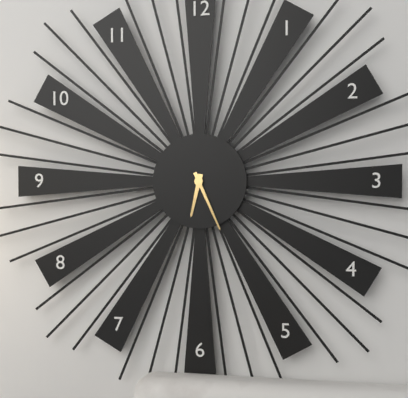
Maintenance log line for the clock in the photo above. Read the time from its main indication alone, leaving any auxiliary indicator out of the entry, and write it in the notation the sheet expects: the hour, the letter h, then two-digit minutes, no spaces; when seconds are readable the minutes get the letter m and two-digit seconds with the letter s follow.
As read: 6h26
